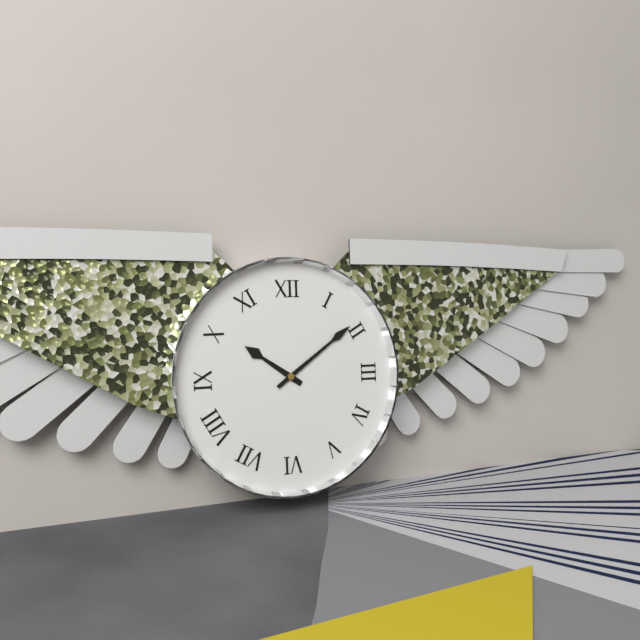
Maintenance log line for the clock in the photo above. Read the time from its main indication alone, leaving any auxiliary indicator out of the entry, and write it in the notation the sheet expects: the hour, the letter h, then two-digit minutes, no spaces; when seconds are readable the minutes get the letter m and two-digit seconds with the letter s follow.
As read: 10h09
